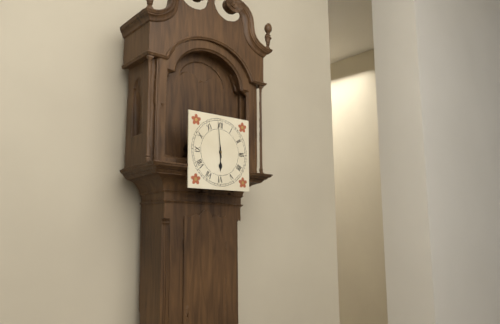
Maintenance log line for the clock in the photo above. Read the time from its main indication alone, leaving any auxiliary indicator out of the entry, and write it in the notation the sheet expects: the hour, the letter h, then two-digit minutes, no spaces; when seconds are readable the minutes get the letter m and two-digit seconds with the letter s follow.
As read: 5h59
